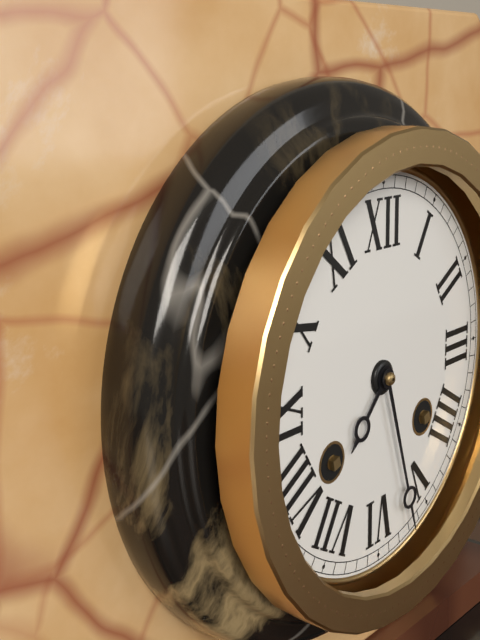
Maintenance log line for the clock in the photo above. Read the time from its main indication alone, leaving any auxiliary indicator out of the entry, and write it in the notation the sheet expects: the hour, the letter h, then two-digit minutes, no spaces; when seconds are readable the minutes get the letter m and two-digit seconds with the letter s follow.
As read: 7h27
